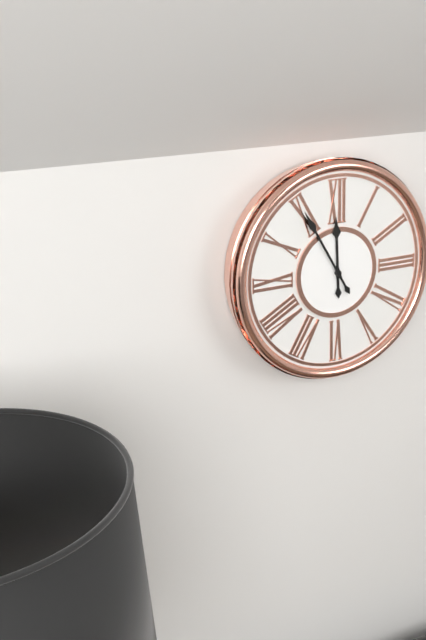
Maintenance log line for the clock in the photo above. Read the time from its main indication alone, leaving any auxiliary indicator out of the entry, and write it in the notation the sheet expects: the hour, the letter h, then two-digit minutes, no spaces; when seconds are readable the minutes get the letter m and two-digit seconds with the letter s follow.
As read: 11h55
